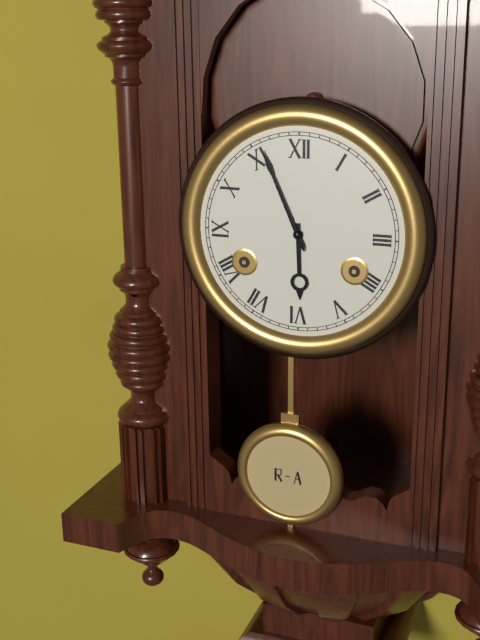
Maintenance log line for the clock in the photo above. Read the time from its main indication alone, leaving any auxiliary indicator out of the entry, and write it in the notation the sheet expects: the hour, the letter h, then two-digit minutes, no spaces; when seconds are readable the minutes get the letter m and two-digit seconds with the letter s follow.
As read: 5h56
